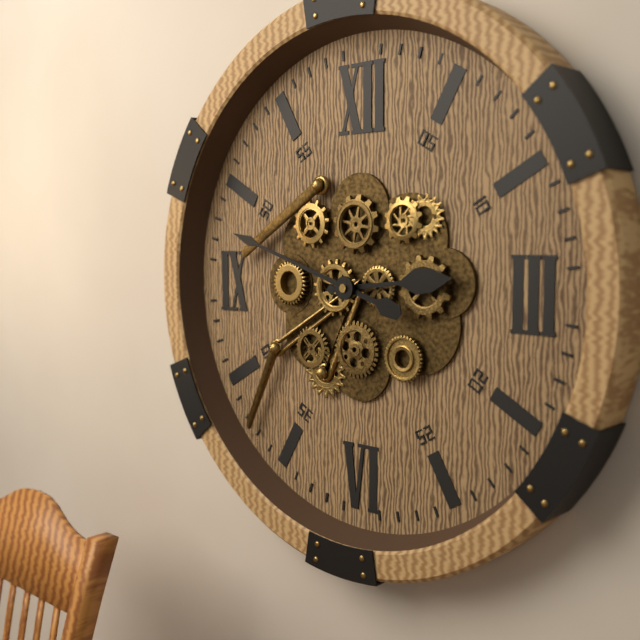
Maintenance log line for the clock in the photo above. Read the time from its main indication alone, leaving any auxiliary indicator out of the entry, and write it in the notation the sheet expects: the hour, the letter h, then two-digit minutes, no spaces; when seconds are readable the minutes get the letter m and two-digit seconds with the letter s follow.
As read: 2h48
